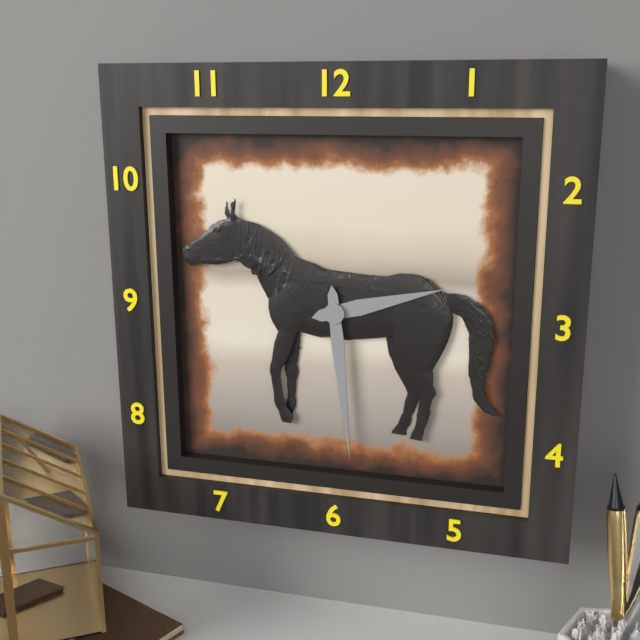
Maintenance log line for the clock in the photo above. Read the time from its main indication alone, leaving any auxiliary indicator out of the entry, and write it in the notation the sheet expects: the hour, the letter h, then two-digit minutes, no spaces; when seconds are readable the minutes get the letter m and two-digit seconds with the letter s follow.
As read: 2h29
